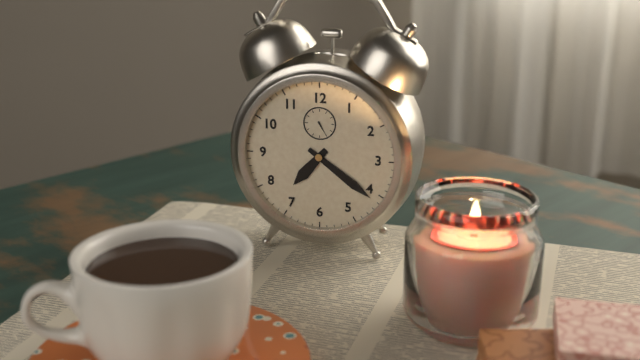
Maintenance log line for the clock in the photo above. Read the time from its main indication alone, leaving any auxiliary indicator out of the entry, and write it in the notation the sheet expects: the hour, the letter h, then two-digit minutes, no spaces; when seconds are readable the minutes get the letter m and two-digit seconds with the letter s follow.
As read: 7h21
